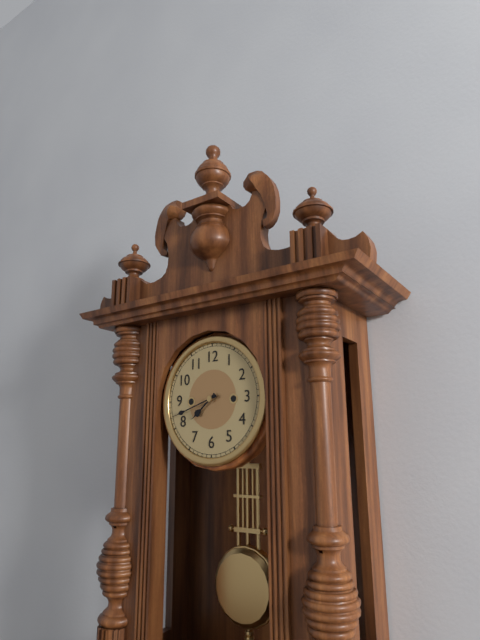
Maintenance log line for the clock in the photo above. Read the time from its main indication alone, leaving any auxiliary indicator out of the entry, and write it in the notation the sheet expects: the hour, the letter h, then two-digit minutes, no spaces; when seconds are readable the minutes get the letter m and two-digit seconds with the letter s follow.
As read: 7h42
